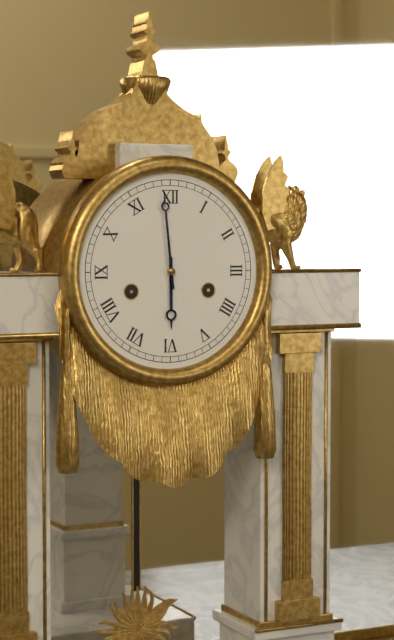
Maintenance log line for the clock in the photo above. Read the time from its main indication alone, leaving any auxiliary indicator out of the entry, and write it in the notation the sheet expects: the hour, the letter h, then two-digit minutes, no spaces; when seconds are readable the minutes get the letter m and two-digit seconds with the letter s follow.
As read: 5h59
